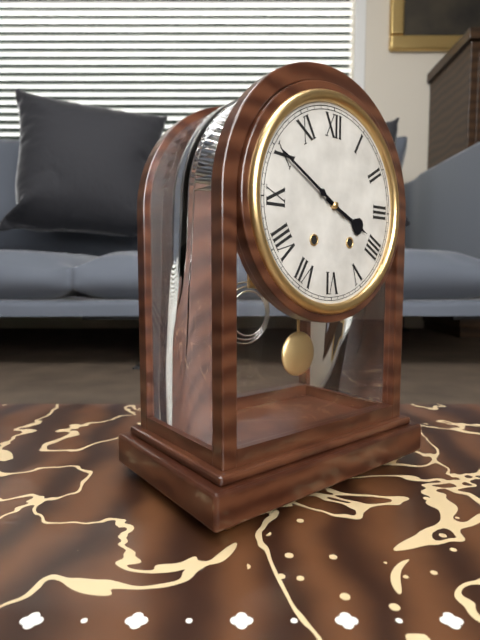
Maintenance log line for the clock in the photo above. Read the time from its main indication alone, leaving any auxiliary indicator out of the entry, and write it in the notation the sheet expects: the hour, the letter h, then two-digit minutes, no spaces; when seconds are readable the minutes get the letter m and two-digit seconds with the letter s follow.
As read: 3h50
